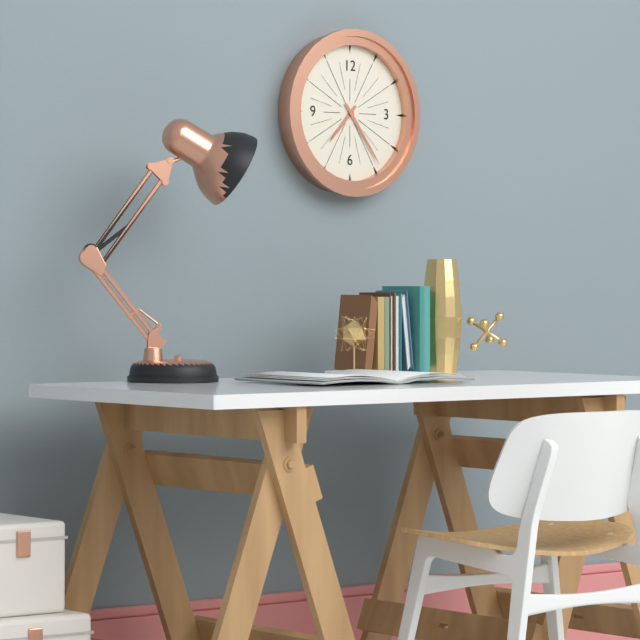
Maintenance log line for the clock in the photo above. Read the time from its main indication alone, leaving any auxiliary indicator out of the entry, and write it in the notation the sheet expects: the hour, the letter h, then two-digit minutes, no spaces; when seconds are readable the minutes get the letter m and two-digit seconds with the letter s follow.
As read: 7h24
